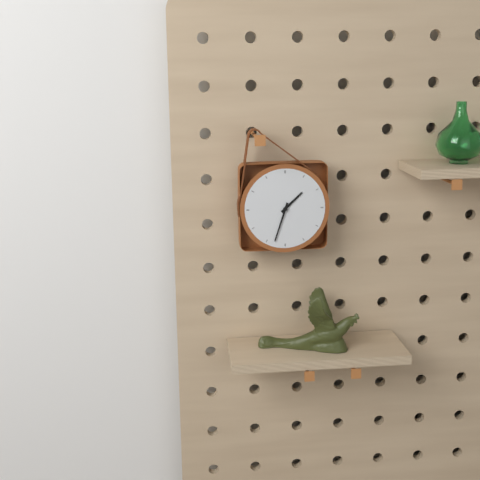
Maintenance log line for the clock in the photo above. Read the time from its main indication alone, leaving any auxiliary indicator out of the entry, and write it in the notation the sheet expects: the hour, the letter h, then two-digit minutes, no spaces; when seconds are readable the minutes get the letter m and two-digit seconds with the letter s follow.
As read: 1h33
